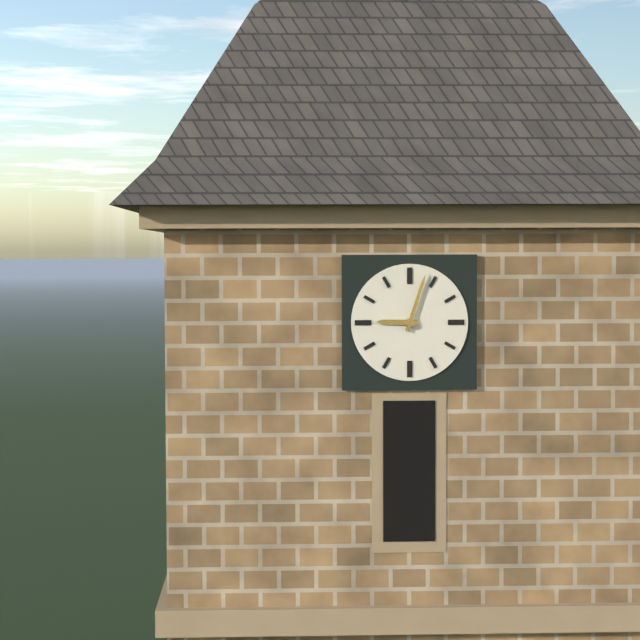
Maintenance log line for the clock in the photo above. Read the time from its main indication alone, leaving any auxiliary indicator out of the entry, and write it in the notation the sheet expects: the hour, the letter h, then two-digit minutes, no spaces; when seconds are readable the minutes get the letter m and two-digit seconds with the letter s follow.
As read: 9h03
